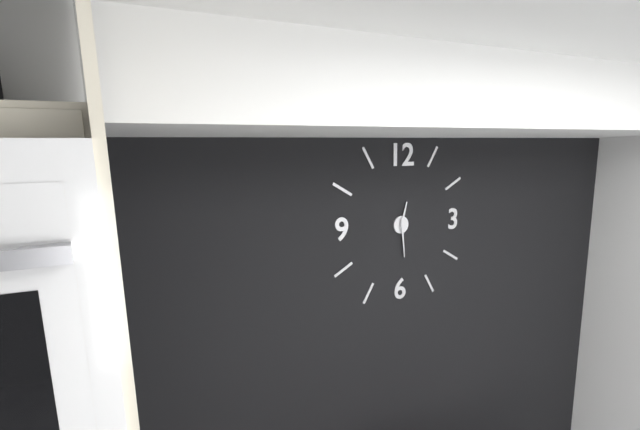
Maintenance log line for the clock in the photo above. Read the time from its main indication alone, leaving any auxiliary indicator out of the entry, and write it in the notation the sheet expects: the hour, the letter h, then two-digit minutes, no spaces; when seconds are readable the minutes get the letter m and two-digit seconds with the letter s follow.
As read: 12h29
